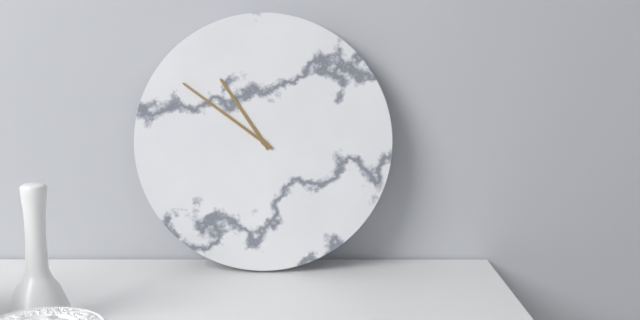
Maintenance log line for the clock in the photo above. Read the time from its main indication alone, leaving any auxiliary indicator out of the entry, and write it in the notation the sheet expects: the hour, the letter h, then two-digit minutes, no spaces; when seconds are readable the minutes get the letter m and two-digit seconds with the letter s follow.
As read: 10h51
